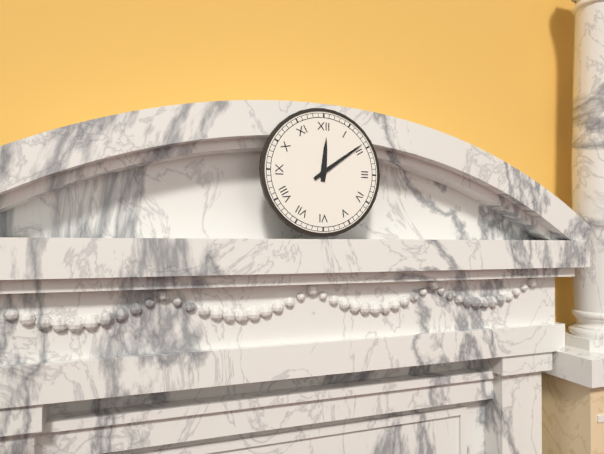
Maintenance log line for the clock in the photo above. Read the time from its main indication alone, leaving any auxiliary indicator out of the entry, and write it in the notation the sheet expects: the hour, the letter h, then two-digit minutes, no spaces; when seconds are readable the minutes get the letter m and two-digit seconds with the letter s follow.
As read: 12h09
